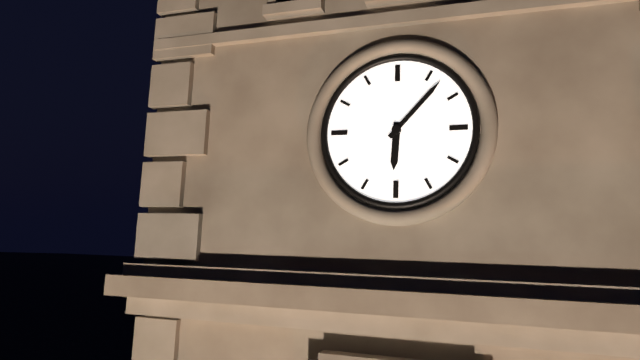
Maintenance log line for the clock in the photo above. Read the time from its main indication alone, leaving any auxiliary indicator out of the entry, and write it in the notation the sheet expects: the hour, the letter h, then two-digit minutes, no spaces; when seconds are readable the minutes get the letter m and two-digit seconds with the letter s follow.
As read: 6h07
